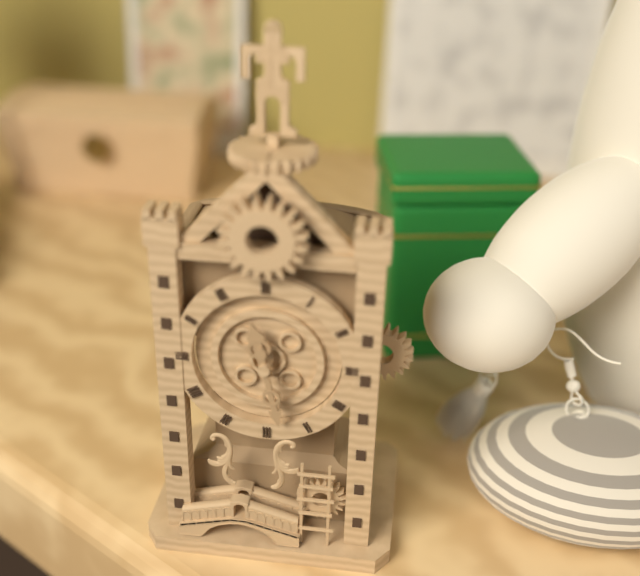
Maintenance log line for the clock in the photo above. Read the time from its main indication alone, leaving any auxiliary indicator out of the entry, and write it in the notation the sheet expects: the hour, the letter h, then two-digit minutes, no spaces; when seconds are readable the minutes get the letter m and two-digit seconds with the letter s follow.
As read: 11h28
